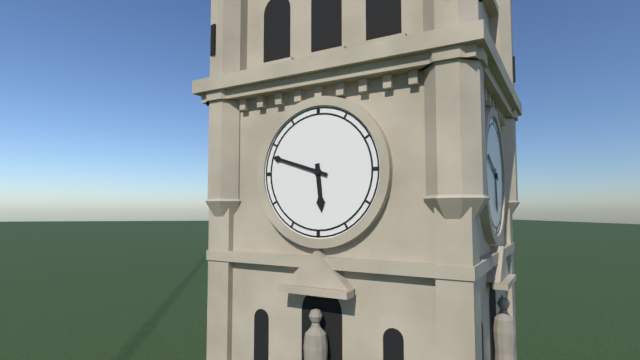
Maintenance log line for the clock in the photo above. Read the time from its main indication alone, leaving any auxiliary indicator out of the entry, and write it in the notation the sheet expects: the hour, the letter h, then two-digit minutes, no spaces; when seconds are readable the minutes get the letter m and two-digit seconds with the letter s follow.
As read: 5h48
